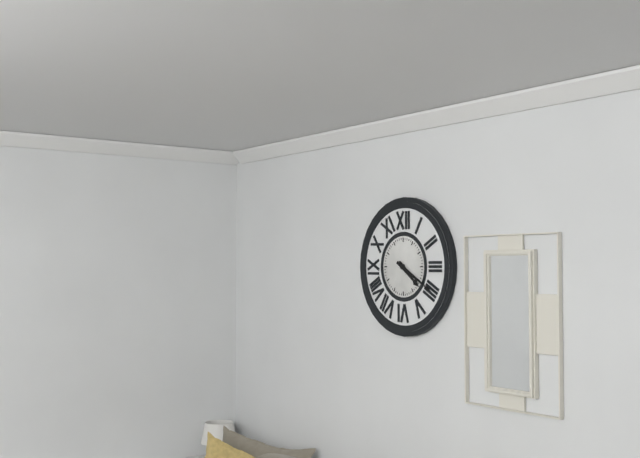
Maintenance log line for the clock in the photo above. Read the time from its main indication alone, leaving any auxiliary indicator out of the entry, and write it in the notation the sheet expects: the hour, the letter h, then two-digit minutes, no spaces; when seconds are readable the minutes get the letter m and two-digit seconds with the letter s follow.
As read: 4h20
